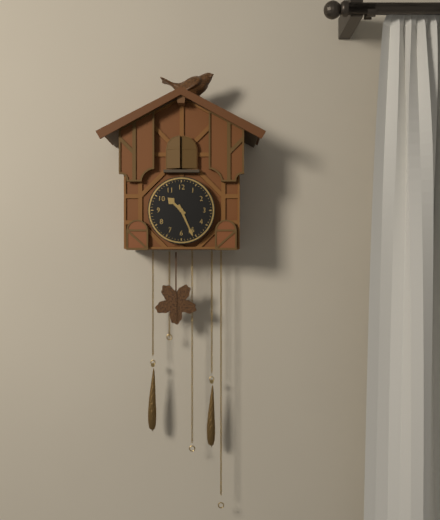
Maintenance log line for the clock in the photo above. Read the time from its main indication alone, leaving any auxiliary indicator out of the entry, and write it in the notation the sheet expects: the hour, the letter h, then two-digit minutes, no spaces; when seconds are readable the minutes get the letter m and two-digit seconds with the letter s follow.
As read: 10h26
